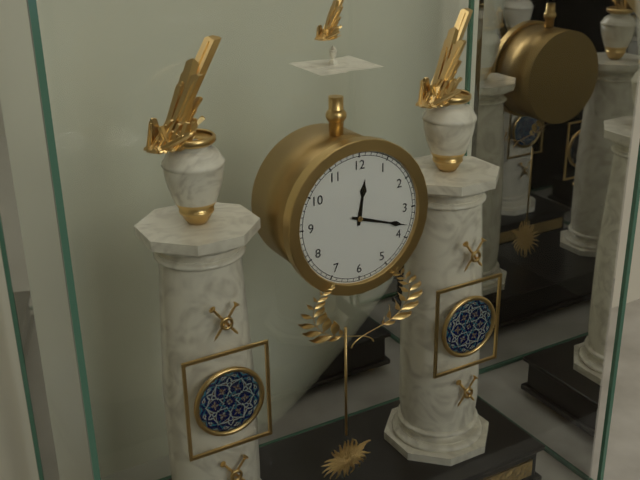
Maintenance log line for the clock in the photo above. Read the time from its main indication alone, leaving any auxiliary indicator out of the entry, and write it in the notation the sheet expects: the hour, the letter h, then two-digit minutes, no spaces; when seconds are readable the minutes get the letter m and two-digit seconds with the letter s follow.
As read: 12h18
